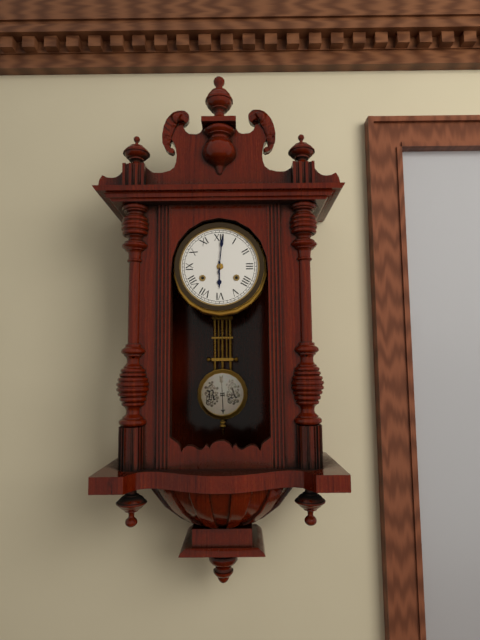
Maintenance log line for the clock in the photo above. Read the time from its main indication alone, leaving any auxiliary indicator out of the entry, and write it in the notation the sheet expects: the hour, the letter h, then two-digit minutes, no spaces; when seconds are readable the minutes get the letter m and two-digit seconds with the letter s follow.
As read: 6h01
